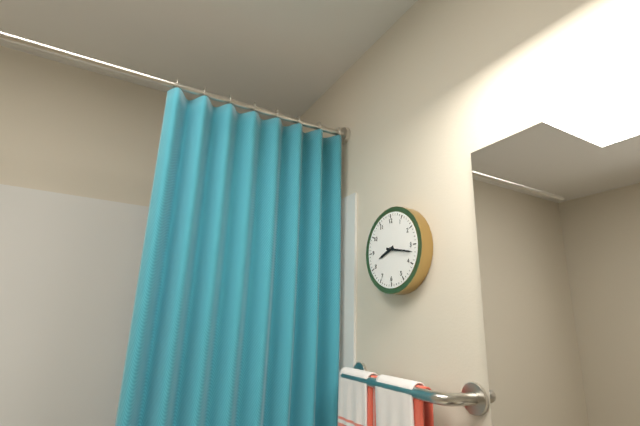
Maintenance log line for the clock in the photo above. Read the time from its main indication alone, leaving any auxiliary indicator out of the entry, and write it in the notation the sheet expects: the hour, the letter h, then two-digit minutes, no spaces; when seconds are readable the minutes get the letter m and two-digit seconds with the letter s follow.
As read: 8h17
